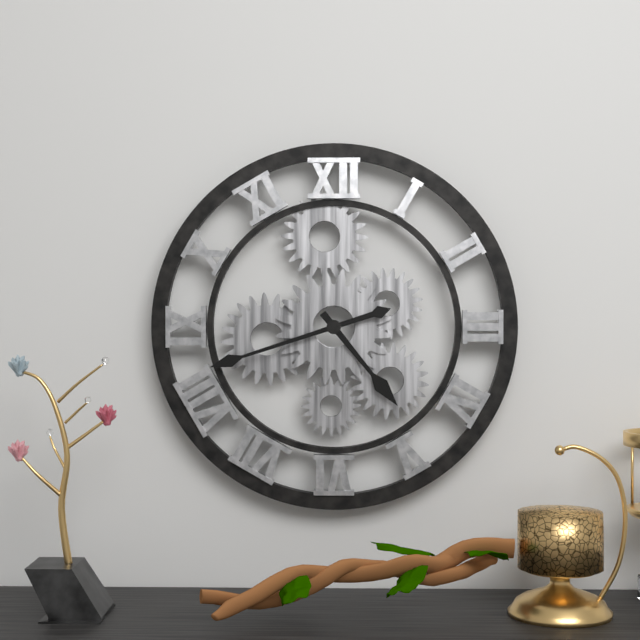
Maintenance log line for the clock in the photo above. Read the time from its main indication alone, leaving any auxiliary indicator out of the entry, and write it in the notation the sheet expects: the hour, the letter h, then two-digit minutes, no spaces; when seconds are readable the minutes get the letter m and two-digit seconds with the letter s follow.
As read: 4h42
